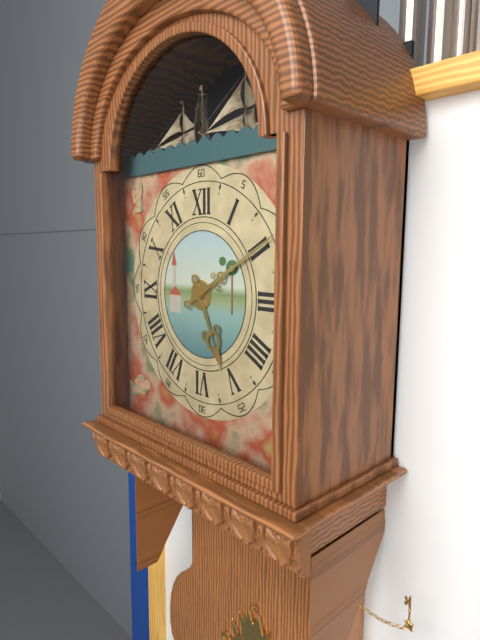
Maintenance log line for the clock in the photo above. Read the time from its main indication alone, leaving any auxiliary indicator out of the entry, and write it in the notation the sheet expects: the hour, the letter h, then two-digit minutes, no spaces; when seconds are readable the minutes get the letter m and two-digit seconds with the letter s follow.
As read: 5h10
